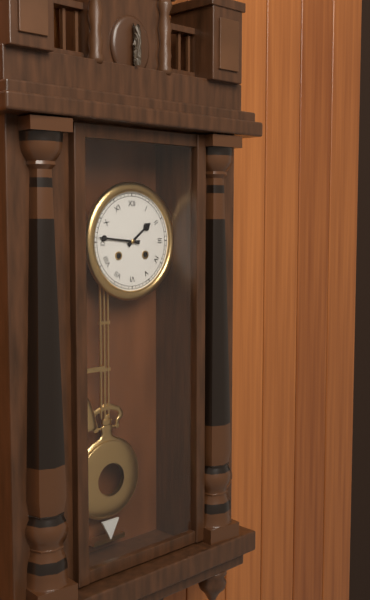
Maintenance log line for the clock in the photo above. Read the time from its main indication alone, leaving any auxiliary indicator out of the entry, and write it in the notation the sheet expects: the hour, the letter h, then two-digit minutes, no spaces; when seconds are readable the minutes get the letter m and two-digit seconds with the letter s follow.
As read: 1h46
